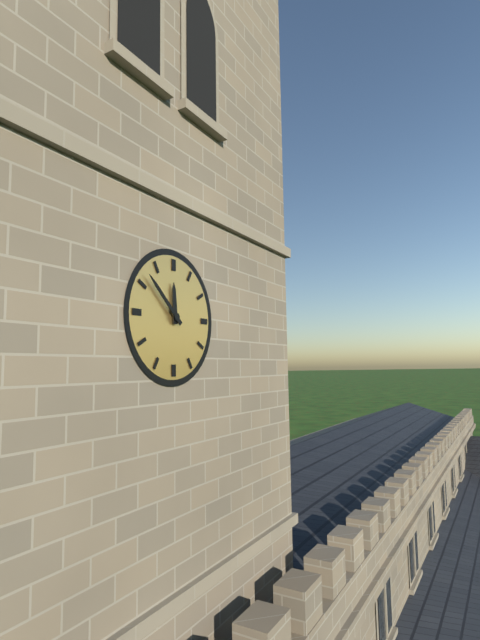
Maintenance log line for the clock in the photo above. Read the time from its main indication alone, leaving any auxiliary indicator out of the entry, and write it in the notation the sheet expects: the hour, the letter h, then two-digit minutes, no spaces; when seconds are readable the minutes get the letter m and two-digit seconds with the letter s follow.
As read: 11h52
